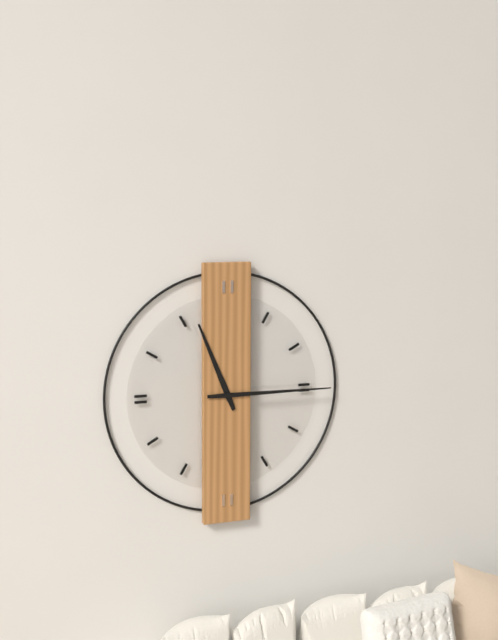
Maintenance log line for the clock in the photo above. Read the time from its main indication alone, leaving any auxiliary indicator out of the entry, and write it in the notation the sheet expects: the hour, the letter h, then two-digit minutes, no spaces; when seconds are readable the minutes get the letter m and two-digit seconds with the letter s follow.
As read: 11h15
